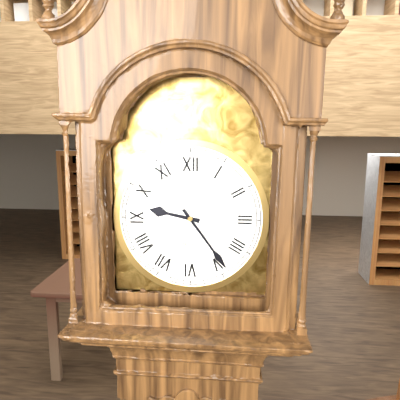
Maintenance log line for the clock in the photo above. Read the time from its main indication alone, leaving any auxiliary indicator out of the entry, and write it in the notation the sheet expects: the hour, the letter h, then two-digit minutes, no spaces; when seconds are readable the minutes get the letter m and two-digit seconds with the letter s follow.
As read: 9h24
